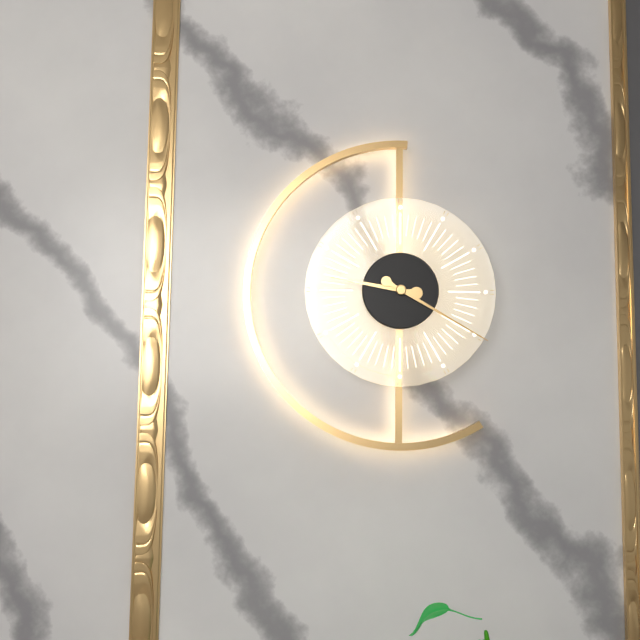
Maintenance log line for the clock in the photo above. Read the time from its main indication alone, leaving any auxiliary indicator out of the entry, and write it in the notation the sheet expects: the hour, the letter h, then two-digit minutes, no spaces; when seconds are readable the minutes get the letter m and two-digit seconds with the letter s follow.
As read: 9h20
